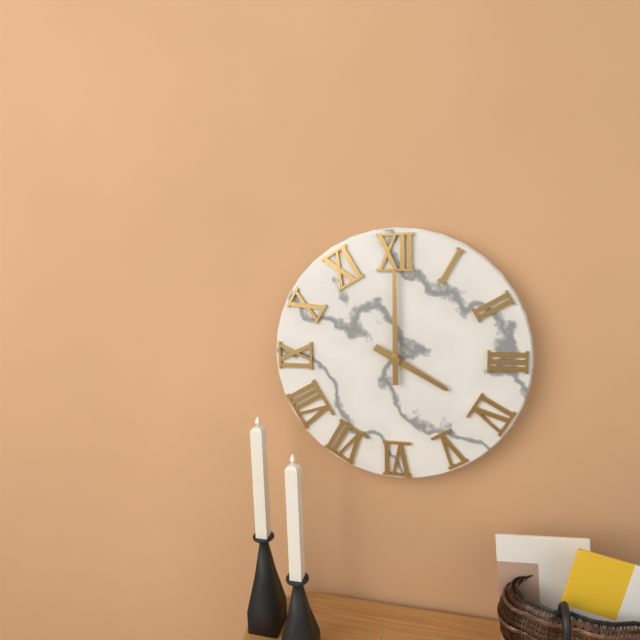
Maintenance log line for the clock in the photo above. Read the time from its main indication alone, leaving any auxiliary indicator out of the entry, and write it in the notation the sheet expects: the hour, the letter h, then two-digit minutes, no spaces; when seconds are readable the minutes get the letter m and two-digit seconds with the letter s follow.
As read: 4h00
